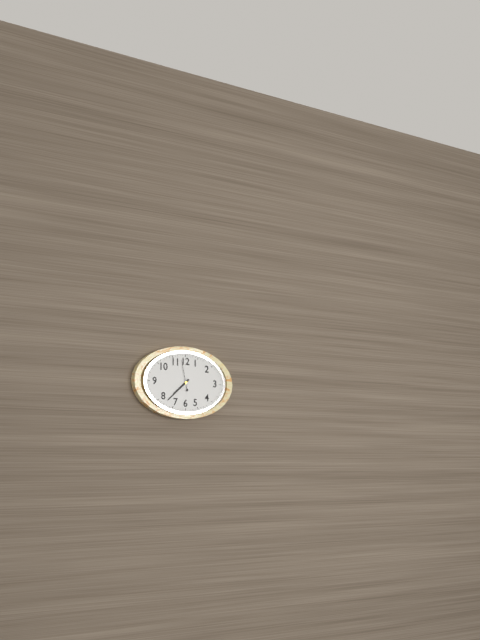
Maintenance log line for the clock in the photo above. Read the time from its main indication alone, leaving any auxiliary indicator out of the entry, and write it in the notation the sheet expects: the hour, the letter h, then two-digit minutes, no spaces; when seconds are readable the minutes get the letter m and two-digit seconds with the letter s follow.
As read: 7h38
